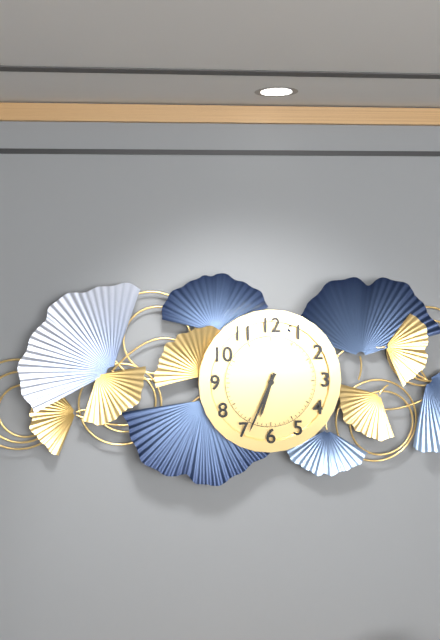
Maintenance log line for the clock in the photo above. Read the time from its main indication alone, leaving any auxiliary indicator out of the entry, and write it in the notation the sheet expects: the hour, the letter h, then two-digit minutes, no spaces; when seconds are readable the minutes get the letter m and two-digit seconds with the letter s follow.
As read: 6h34
